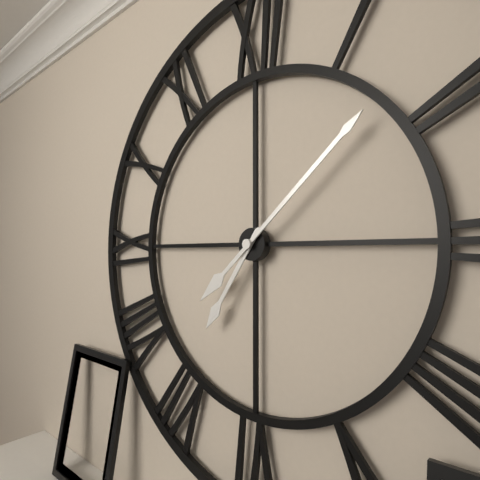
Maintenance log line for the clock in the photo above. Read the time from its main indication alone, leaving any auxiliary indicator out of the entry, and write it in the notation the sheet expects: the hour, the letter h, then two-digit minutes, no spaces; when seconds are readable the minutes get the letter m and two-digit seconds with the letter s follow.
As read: 7h08
